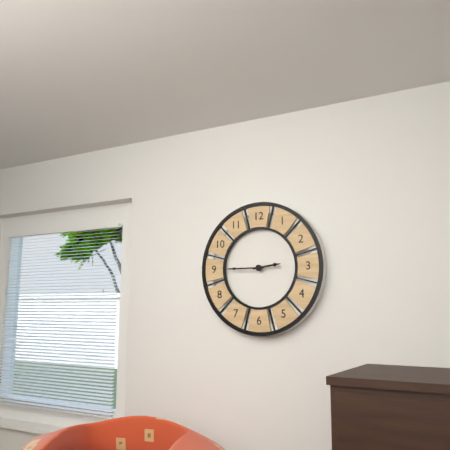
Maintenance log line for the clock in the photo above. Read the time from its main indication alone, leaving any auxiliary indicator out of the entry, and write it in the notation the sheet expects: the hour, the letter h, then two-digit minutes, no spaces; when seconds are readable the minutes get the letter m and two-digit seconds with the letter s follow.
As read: 2h45
